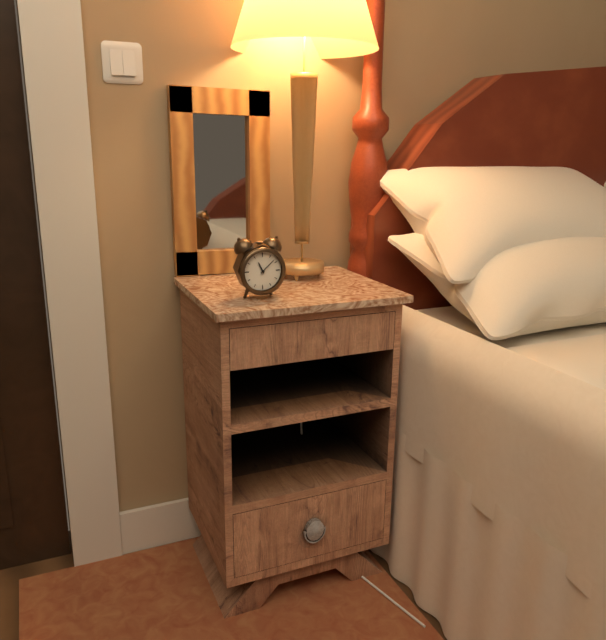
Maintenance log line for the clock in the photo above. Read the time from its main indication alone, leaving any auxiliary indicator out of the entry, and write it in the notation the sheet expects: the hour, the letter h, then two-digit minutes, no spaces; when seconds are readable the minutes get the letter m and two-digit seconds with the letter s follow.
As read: 11h08
